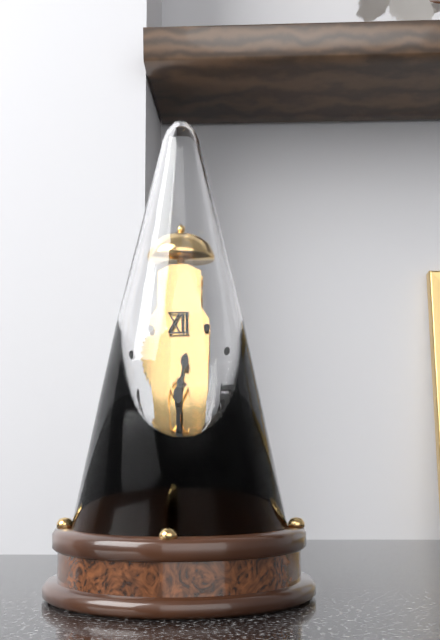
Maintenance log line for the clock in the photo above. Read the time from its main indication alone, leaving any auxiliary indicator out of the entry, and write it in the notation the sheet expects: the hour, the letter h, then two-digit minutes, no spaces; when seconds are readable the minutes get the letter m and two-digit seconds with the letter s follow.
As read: 12h30
